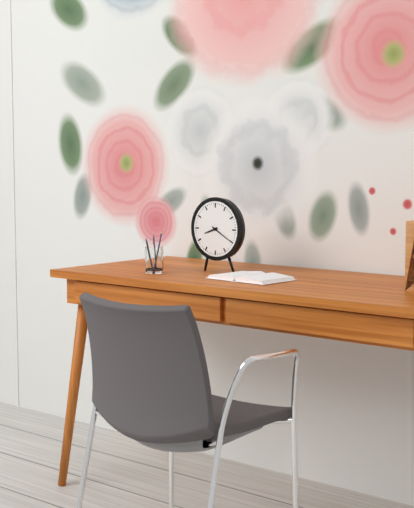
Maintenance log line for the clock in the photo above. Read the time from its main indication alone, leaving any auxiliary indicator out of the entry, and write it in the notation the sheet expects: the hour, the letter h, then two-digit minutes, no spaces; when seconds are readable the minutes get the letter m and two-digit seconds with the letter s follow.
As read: 8h20
